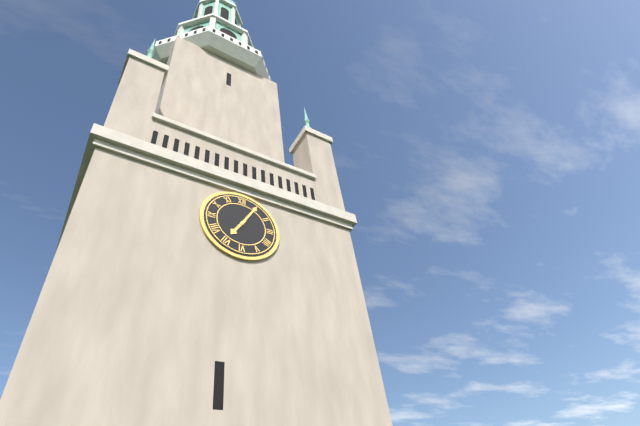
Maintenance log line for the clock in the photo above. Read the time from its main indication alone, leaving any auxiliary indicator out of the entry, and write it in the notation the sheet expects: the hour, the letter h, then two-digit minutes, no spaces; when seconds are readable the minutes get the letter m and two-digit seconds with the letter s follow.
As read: 7h05
